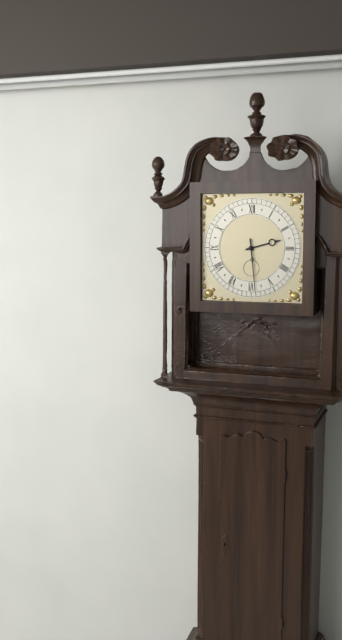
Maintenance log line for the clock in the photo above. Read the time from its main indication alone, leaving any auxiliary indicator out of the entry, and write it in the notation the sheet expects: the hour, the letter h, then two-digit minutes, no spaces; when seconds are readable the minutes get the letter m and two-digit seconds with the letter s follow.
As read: 2h29
